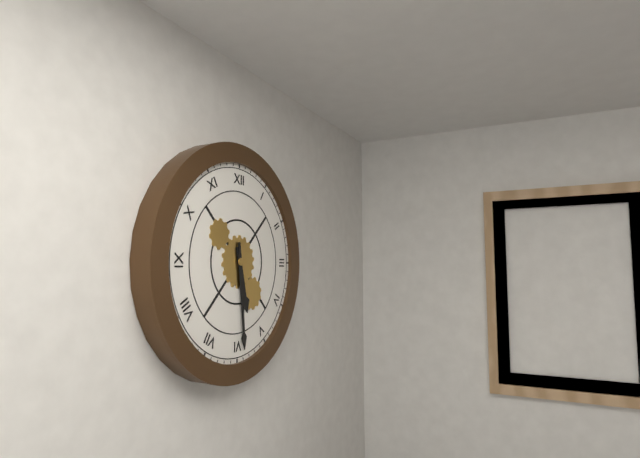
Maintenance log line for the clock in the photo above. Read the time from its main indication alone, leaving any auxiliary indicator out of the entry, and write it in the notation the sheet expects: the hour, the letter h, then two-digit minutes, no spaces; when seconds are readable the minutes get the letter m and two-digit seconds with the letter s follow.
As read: 5h29
